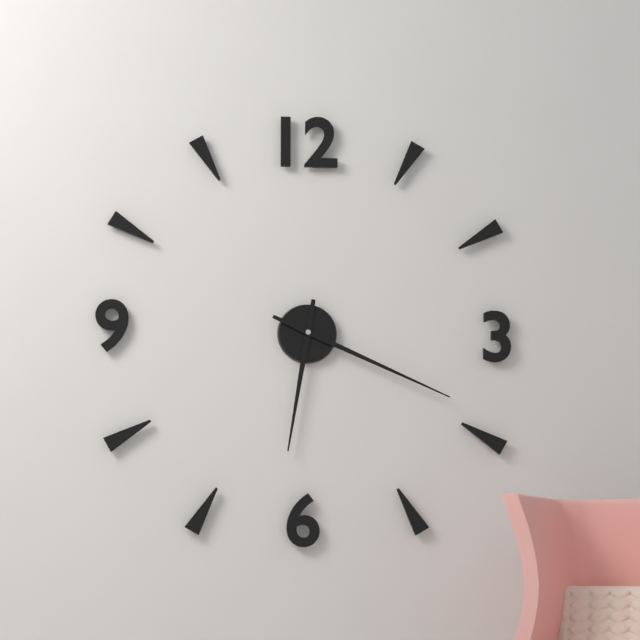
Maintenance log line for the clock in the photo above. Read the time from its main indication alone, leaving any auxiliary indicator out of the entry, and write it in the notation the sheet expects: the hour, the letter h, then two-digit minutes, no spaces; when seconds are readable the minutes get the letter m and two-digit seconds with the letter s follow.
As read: 6h19
